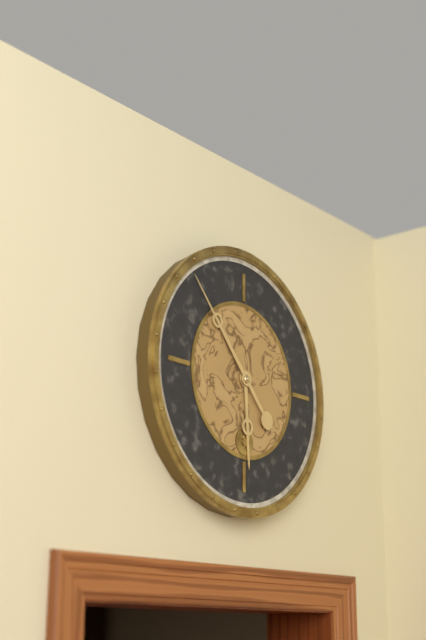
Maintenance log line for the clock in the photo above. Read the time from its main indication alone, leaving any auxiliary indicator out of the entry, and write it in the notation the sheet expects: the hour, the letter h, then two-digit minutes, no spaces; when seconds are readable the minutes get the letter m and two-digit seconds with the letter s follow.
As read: 5h53
